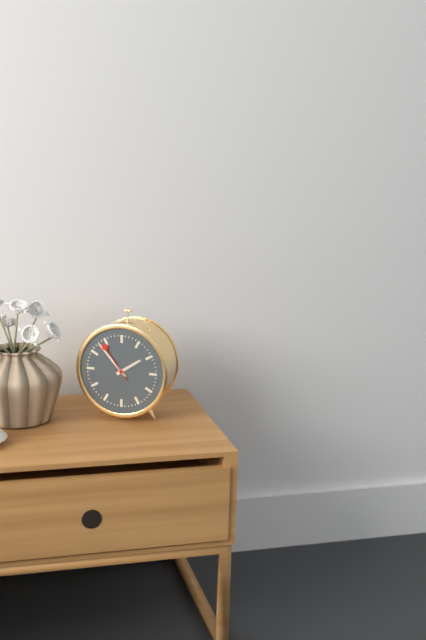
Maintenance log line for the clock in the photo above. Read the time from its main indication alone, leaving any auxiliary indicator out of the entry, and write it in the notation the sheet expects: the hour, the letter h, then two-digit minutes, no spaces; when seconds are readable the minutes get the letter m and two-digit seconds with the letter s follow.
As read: 1h53
